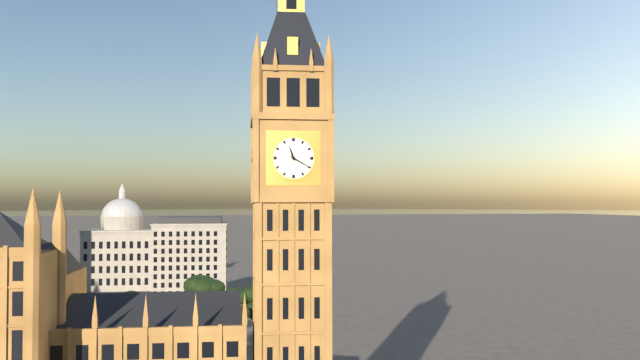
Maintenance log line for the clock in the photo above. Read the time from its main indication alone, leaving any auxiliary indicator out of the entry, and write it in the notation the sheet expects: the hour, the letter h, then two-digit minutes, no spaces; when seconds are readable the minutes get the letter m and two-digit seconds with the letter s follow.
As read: 11h20
